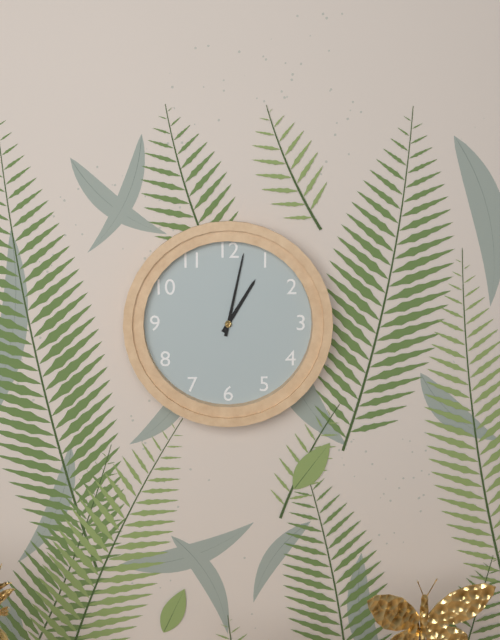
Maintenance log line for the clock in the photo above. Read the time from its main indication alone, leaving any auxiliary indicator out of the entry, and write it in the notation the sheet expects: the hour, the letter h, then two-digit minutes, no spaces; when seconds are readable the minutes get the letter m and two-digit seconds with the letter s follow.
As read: 1h02
